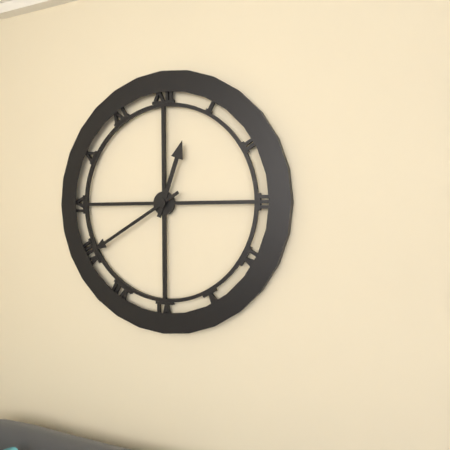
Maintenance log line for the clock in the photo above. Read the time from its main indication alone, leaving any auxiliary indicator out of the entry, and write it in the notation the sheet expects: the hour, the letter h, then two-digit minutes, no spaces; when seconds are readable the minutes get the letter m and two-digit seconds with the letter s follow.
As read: 12h40
